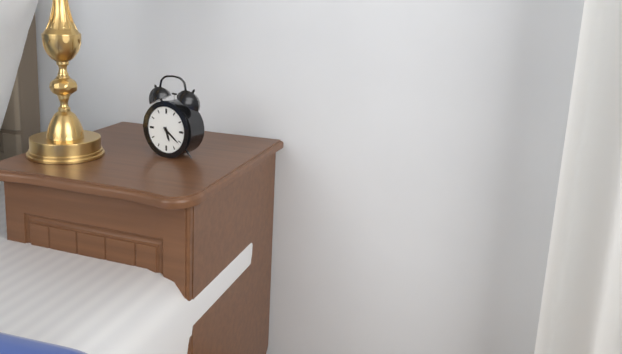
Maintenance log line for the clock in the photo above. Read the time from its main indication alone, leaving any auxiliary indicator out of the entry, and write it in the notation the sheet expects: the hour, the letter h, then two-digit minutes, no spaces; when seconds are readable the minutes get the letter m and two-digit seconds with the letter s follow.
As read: 5h21
